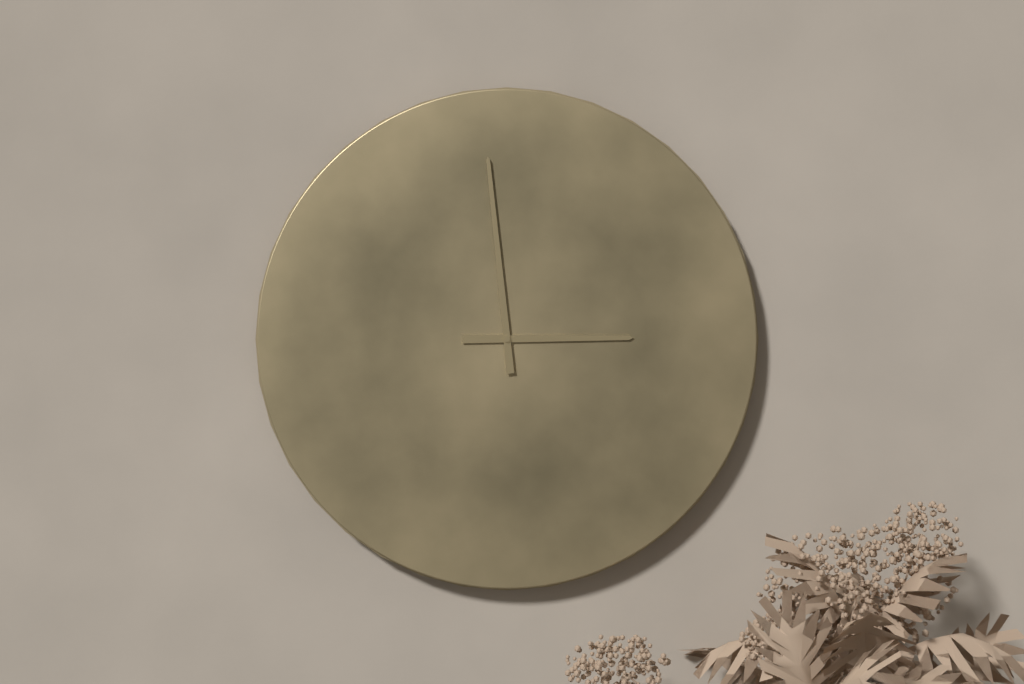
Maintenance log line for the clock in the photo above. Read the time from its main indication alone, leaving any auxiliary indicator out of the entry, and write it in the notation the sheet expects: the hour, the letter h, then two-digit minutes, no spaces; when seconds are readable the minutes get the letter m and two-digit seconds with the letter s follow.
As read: 2h59
